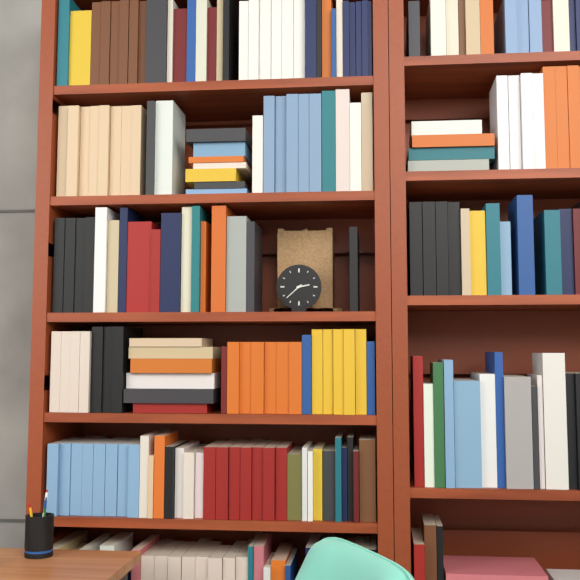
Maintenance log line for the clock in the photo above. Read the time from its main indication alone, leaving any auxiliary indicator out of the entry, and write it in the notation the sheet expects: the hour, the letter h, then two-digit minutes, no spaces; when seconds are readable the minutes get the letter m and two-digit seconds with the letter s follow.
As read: 2h38
